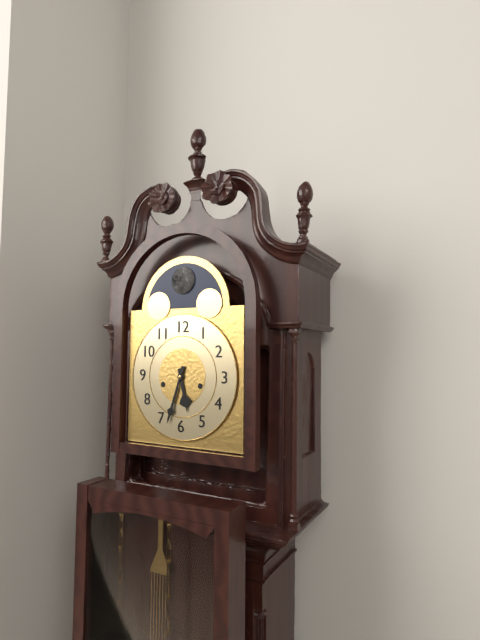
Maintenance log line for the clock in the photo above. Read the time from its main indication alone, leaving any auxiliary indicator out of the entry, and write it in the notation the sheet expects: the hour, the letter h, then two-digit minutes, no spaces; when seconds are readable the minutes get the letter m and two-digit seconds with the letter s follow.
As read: 5h33
